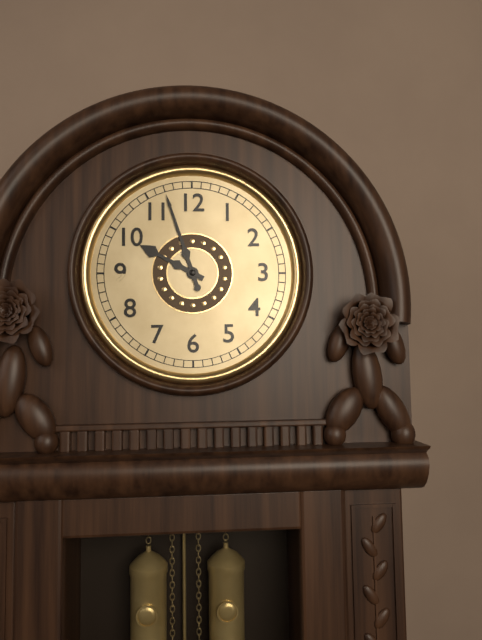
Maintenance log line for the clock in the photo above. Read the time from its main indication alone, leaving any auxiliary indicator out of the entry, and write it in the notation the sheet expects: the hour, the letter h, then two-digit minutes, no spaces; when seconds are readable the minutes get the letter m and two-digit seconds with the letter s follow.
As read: 9h57
